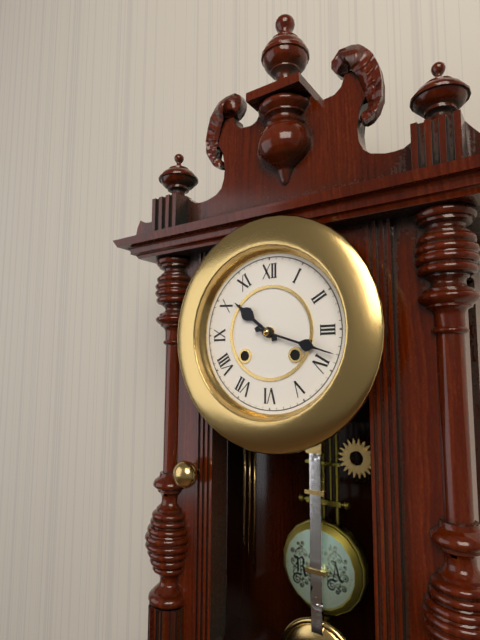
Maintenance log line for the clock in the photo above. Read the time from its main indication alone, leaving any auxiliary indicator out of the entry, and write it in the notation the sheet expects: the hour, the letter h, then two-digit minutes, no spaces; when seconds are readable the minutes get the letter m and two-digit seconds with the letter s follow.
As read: 10h18
